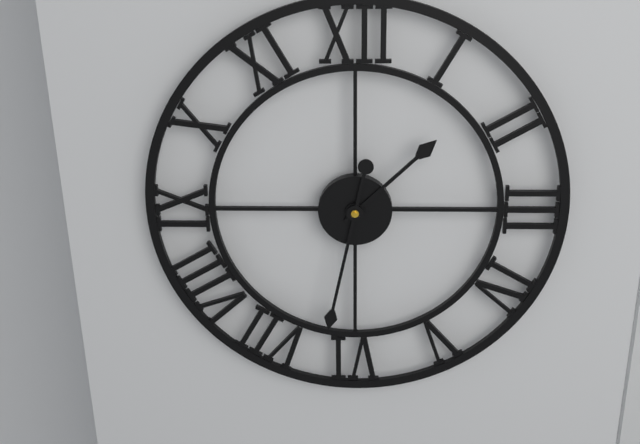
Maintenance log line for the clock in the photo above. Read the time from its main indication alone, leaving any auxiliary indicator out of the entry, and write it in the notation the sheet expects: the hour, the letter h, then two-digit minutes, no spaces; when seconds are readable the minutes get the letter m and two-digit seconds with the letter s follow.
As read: 1h32
